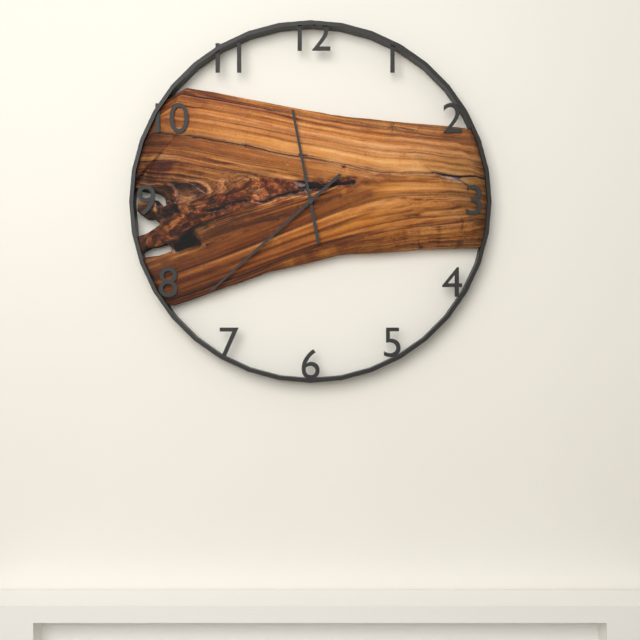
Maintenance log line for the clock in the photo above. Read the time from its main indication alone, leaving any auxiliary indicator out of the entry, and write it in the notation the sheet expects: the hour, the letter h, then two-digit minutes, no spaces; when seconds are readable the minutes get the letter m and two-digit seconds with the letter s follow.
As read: 11h38
